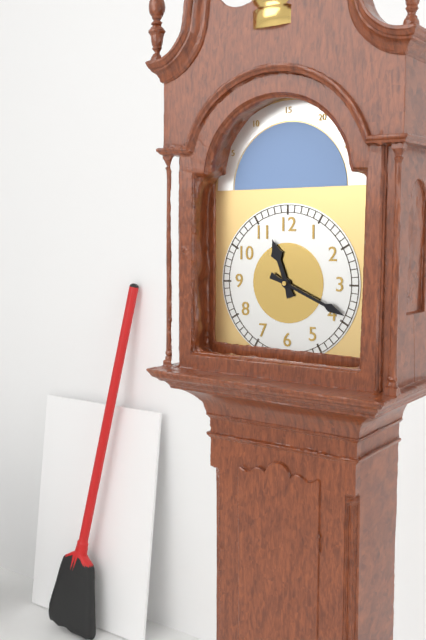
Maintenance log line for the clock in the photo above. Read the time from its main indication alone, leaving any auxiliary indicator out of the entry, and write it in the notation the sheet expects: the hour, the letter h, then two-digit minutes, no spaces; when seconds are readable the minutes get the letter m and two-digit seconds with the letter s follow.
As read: 11h19
